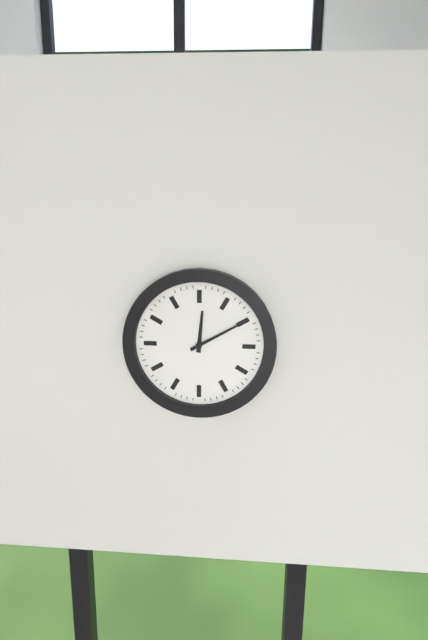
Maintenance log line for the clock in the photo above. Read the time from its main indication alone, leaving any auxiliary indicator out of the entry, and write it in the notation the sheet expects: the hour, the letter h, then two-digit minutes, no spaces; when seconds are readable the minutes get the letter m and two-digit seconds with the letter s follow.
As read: 12h10
